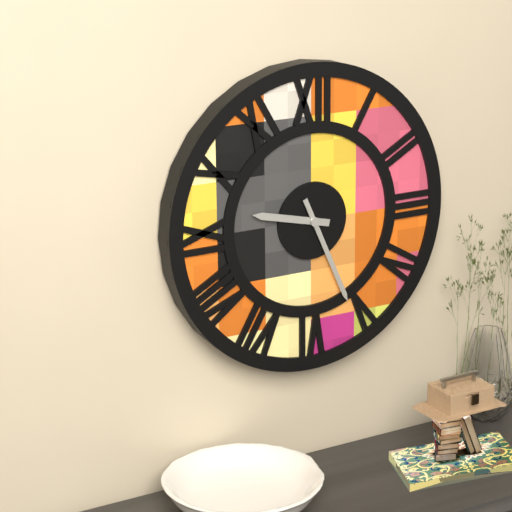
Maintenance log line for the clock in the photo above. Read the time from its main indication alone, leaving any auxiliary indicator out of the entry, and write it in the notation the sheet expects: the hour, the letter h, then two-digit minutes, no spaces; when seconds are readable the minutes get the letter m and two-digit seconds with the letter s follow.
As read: 9h26
